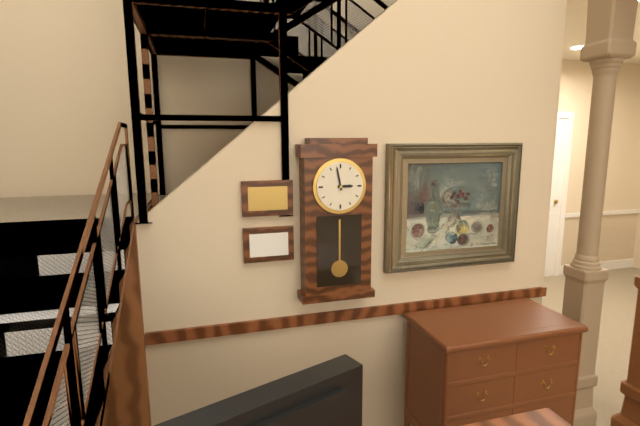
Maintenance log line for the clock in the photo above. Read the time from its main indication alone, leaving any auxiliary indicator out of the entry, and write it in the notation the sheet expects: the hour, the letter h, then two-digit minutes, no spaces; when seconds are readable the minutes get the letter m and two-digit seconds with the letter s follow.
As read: 2h58
